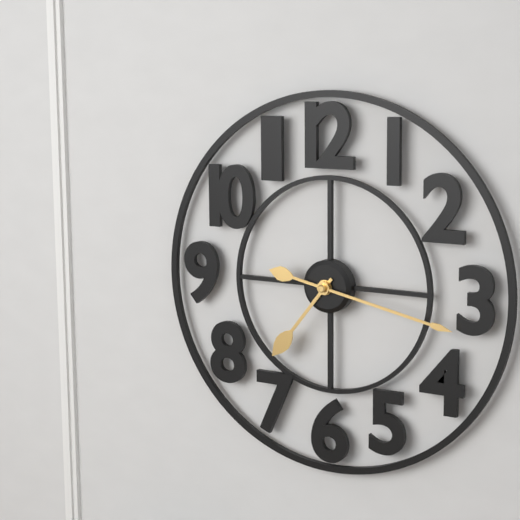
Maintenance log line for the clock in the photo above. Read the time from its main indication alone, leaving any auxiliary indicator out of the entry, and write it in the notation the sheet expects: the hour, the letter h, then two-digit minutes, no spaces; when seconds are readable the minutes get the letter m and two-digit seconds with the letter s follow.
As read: 7h17
